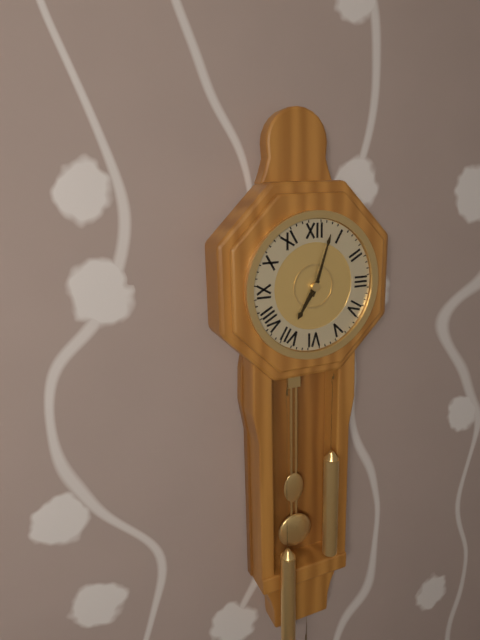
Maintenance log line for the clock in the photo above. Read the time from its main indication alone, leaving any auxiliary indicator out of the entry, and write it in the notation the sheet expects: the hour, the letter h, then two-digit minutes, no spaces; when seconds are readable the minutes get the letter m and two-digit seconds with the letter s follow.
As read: 7h03
